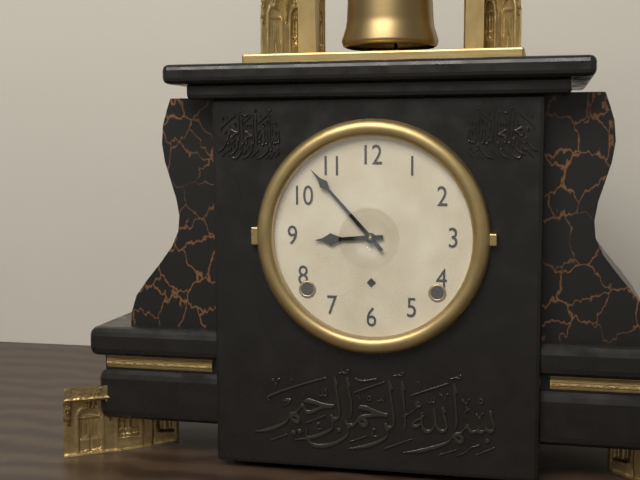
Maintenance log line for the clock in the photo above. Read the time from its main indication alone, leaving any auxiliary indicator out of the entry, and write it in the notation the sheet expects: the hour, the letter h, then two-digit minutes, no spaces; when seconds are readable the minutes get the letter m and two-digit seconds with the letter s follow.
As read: 8h53
